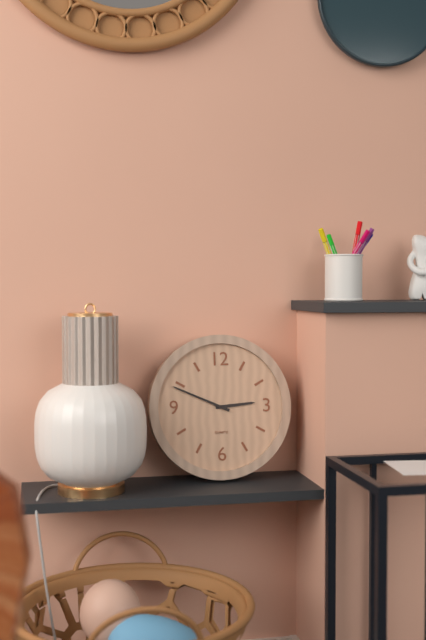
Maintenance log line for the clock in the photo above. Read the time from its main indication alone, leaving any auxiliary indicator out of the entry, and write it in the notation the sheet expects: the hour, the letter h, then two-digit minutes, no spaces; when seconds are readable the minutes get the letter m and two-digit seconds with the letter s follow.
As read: 2h49
